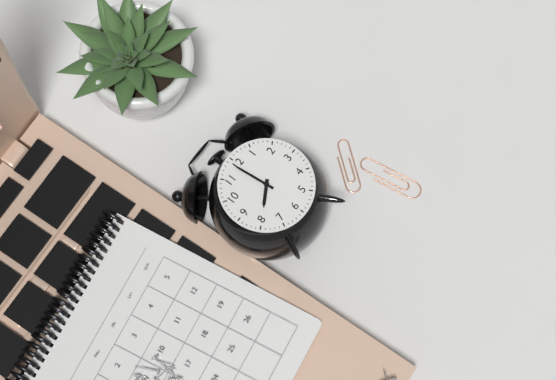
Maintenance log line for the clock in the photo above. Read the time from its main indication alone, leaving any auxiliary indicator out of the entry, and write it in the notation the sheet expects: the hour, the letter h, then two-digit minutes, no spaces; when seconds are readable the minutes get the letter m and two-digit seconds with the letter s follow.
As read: 7h59
